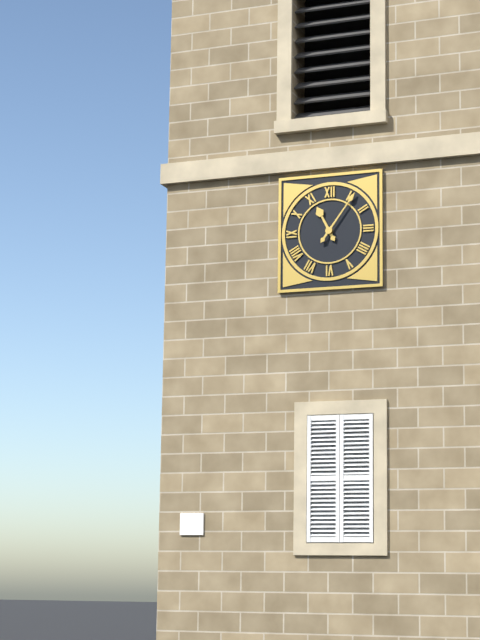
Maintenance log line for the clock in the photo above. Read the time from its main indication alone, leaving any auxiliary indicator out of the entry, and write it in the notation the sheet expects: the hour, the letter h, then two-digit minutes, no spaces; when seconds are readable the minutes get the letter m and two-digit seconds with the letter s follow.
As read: 11h06
